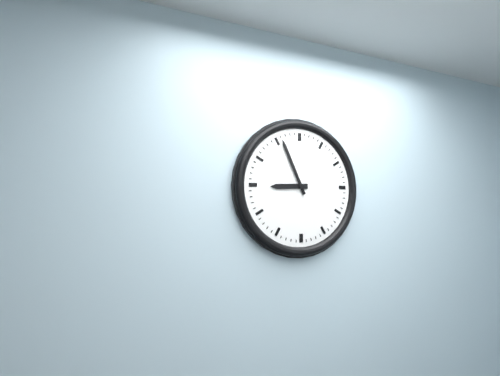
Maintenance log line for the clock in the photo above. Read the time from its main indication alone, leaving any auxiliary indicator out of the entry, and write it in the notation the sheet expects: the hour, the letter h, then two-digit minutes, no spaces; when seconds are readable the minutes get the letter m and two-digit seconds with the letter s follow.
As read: 8h56
